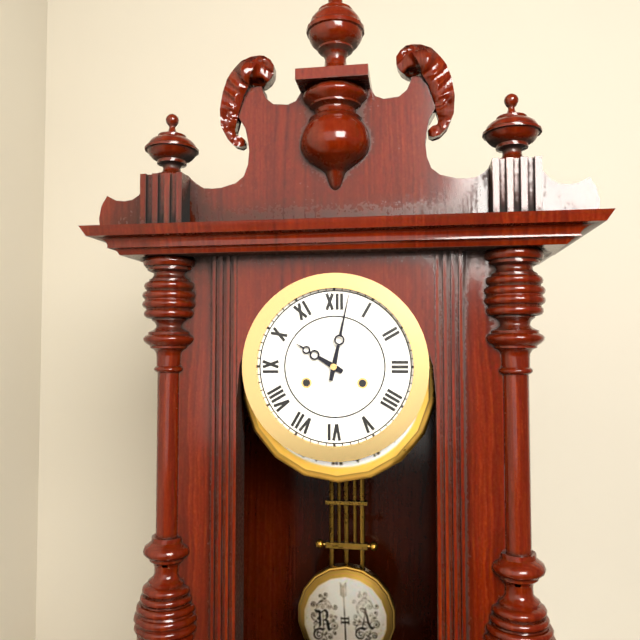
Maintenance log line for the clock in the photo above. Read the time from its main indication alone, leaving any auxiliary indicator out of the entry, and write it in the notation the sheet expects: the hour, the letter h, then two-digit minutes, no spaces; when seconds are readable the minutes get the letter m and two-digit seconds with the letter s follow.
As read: 10h02
